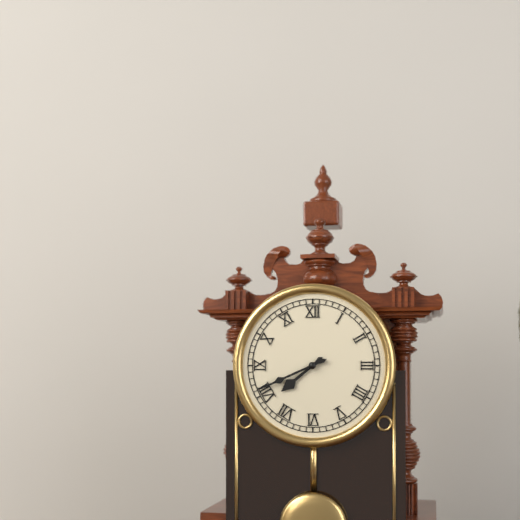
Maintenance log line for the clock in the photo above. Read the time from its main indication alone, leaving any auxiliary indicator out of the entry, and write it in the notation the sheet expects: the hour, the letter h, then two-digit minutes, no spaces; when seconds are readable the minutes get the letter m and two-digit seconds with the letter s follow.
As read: 7h41
